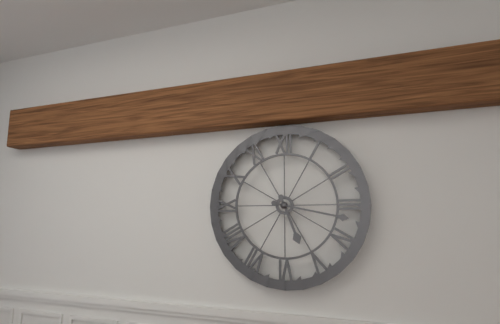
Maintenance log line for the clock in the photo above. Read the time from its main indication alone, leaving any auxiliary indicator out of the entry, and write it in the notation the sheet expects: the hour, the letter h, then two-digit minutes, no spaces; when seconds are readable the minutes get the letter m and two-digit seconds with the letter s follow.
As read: 5h17
